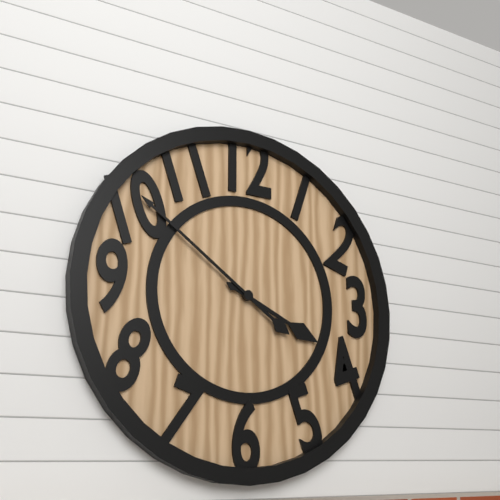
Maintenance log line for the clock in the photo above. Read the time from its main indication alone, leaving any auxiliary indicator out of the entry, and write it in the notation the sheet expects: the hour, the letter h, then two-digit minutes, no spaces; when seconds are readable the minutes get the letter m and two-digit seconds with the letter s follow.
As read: 3h51
